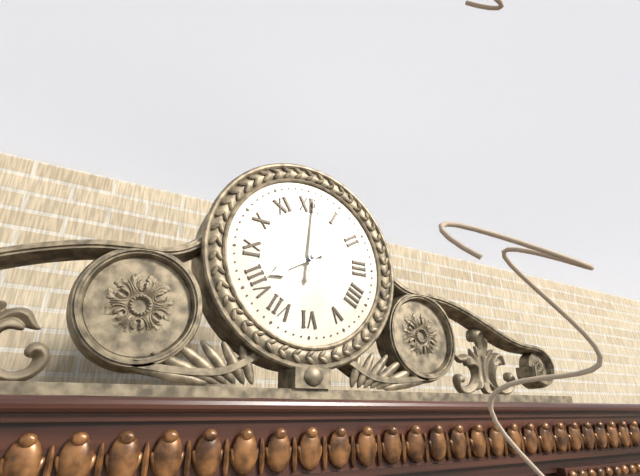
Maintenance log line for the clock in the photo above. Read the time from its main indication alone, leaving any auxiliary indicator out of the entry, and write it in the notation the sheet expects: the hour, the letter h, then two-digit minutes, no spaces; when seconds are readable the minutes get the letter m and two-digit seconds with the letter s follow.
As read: 8h01
